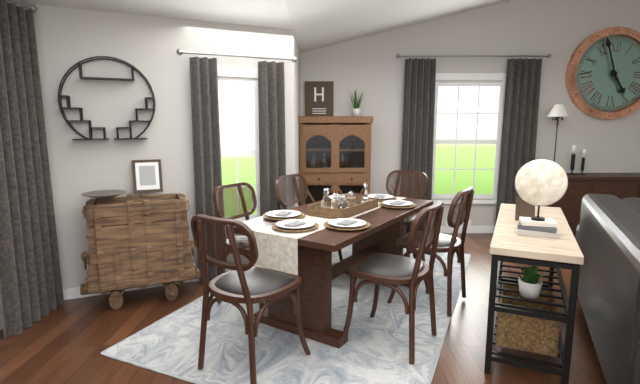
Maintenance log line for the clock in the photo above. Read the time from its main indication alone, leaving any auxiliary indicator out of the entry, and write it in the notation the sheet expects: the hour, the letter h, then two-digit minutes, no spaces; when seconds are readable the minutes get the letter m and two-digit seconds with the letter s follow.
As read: 4h57
